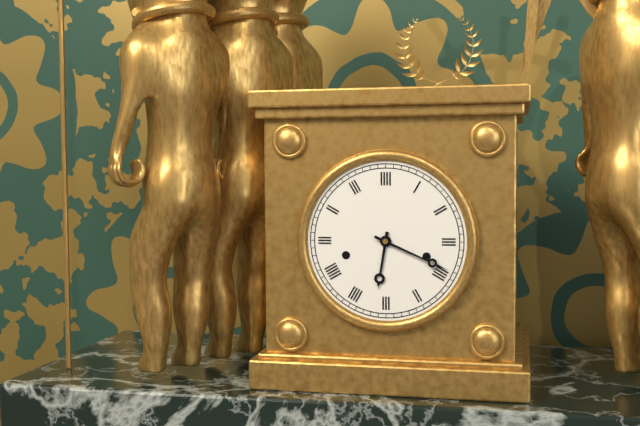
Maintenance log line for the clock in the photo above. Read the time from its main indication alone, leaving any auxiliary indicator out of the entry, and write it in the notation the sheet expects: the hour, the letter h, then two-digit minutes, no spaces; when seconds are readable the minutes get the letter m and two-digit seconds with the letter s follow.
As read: 6h19
